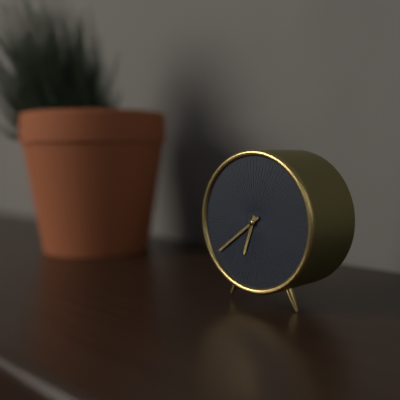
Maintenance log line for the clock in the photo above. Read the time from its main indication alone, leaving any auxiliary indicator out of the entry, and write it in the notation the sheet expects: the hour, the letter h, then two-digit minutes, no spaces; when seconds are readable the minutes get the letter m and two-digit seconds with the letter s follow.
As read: 6h39
